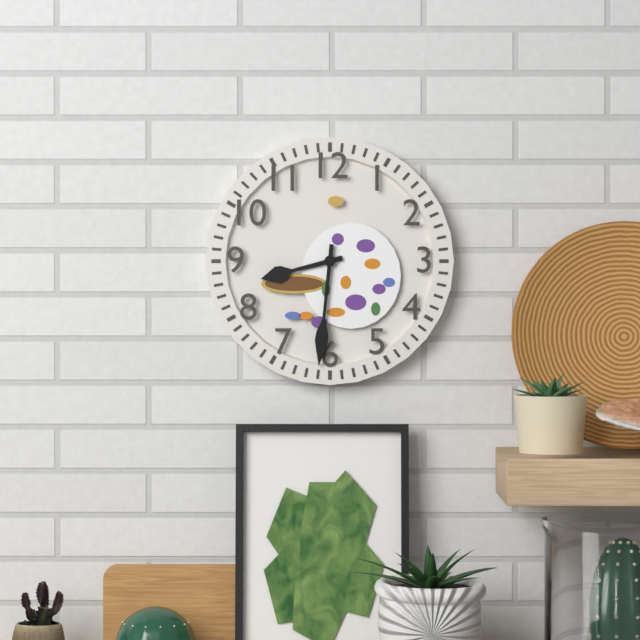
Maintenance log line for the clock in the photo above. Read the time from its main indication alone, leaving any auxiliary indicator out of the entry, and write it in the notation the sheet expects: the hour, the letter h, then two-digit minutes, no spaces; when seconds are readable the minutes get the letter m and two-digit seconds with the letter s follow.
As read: 8h31
